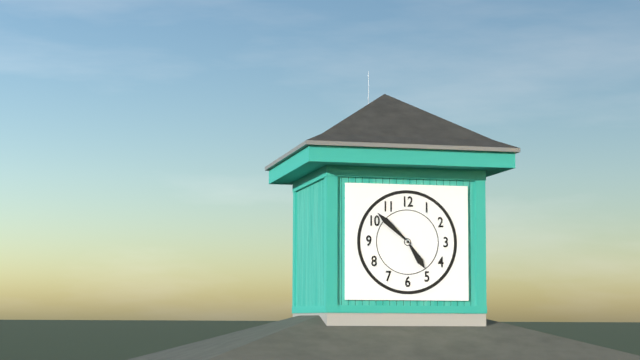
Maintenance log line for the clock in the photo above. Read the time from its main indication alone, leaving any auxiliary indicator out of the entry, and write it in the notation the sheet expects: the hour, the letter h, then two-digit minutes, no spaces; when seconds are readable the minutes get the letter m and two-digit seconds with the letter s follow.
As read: 4h52
